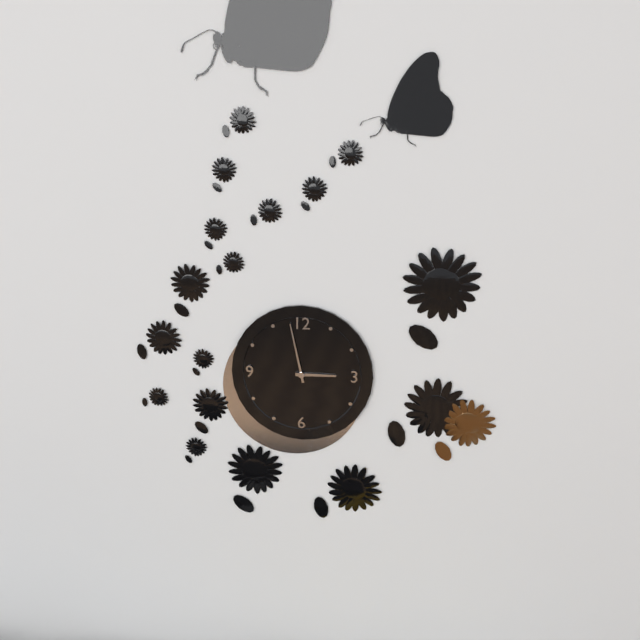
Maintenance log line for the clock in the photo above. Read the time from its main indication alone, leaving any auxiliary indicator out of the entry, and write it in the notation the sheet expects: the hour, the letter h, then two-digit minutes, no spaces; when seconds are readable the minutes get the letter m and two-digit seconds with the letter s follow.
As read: 2h58
